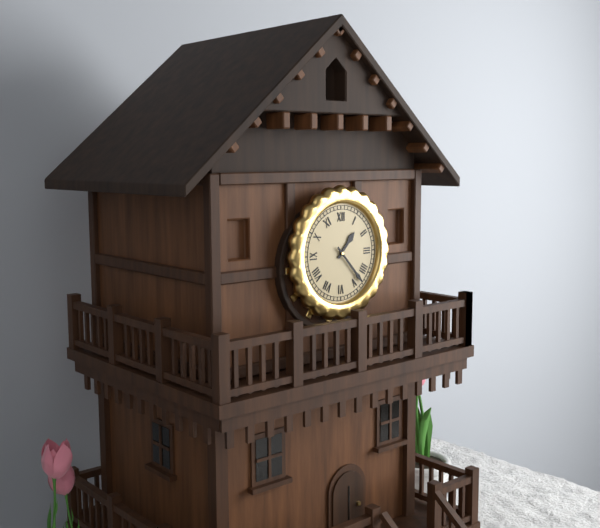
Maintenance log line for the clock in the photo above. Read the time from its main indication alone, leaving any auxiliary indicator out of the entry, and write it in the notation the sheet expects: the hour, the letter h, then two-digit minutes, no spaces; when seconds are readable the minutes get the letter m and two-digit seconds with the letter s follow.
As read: 1h23
